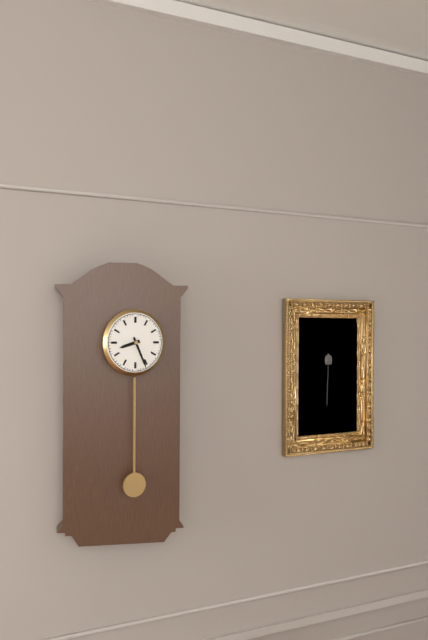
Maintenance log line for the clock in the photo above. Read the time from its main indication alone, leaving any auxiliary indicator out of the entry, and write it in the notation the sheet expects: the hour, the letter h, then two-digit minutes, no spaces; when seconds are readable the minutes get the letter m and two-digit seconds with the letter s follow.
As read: 8h26
